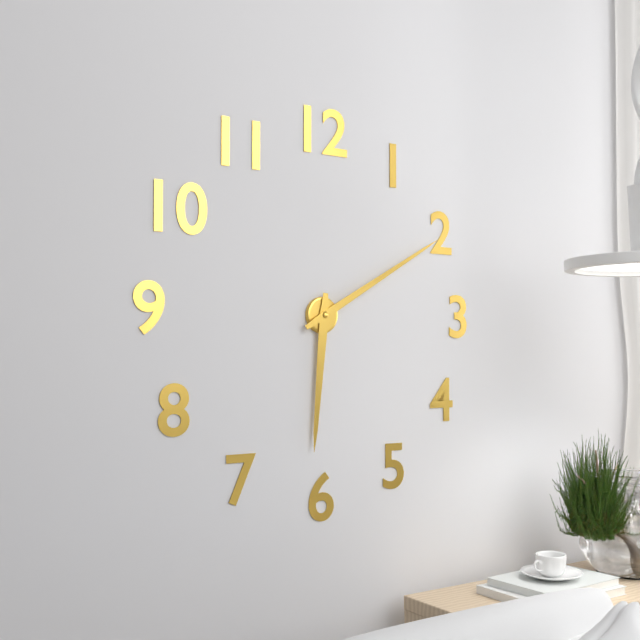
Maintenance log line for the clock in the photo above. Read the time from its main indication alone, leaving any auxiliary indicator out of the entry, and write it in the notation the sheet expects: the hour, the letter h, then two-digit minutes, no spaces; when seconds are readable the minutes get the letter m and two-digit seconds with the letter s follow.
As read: 6h10
